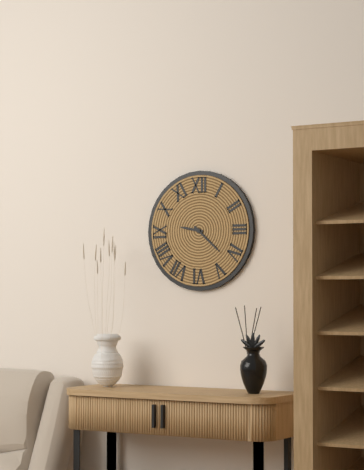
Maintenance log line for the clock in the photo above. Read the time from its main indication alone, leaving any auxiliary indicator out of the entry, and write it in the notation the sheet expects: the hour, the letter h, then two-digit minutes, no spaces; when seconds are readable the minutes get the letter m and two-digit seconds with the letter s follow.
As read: 9h22
